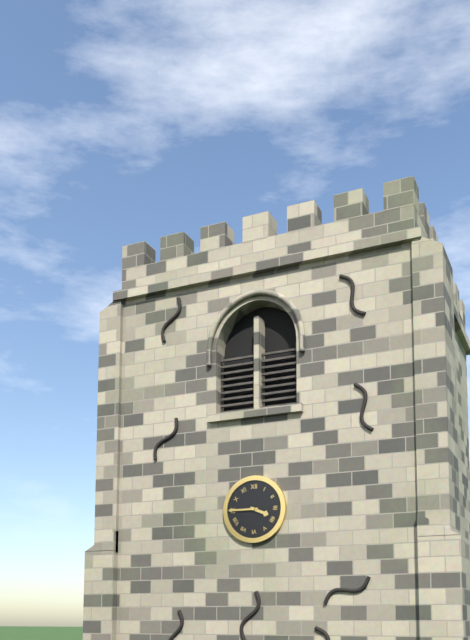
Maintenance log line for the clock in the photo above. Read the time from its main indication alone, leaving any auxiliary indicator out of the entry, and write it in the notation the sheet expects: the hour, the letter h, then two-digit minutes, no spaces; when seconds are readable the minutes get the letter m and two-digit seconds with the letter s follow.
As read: 3h45
